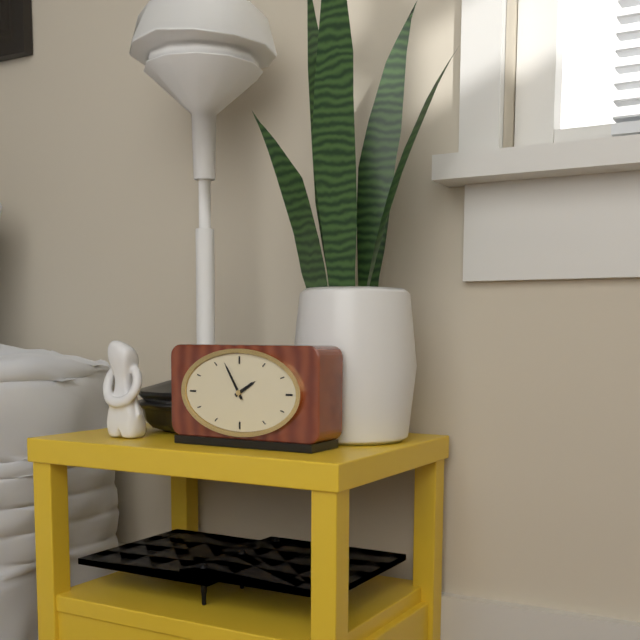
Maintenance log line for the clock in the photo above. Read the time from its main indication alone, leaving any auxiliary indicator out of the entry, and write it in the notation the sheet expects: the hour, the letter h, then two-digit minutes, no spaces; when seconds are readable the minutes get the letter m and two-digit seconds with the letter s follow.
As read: 1h55
